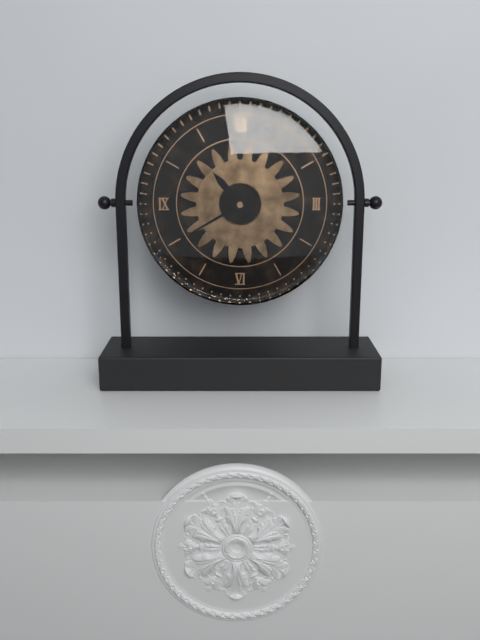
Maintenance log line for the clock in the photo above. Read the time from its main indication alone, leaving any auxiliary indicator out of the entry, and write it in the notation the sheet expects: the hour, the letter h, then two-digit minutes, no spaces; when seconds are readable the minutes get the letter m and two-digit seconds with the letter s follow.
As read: 10h40
